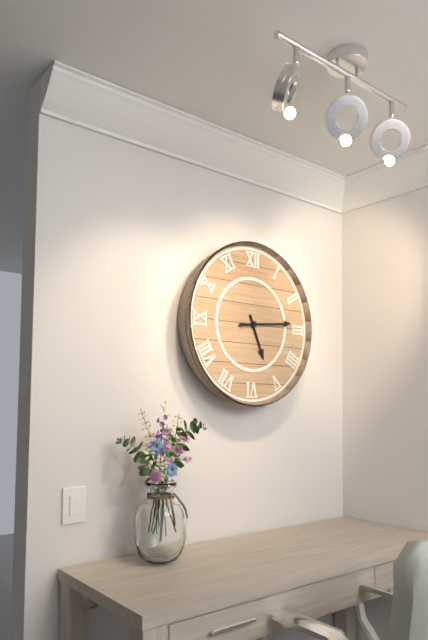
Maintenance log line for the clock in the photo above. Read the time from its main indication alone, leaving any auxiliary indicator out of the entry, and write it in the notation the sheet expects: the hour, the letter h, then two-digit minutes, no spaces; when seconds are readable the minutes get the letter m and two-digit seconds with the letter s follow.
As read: 5h14
